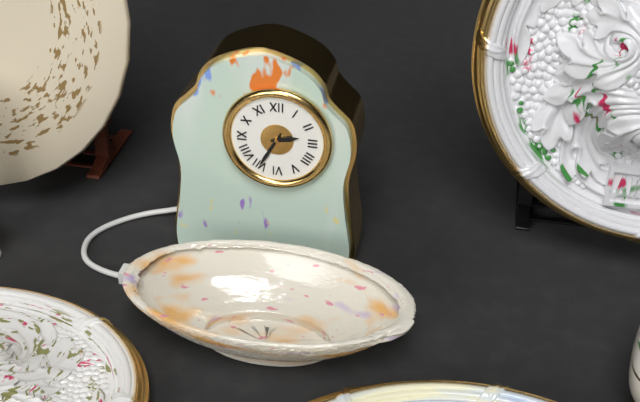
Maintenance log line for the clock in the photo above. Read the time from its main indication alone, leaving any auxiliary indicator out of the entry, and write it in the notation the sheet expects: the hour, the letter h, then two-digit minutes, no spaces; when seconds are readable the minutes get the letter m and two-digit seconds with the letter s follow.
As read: 2h35
